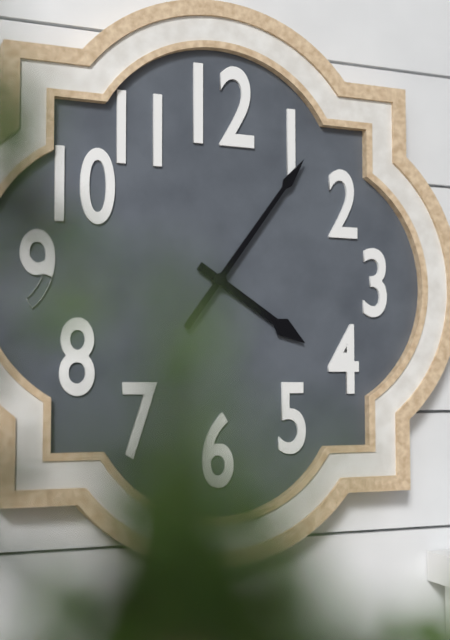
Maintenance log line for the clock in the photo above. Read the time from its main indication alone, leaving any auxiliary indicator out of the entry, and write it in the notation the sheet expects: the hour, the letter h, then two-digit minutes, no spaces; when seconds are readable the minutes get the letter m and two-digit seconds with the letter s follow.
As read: 4h06
